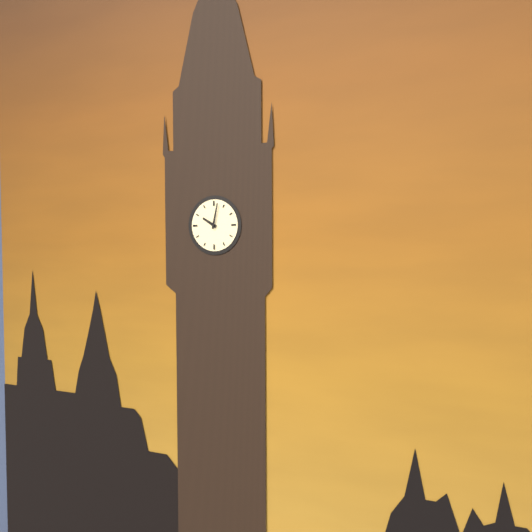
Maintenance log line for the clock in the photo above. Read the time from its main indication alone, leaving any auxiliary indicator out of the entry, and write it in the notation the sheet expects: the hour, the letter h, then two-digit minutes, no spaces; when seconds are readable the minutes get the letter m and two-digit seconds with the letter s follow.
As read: 10h02
